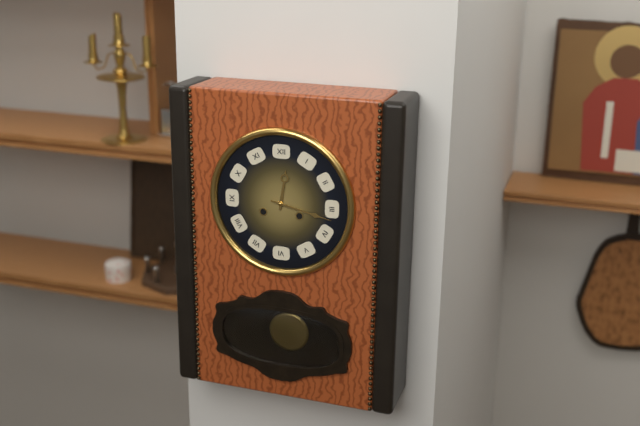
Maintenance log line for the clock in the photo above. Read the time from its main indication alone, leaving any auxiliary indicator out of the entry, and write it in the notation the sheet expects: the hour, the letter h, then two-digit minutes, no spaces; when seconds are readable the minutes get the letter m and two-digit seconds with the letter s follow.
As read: 12h17
